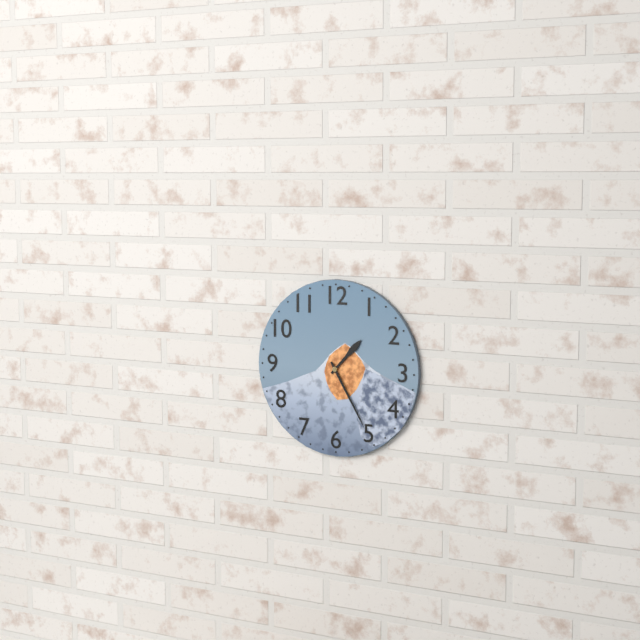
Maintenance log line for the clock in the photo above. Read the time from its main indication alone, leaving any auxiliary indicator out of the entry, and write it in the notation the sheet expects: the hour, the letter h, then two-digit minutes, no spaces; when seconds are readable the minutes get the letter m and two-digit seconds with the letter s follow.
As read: 1h25
